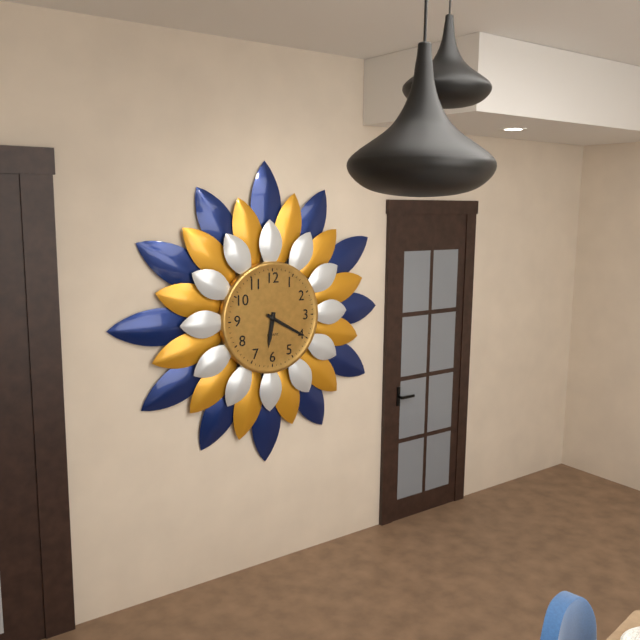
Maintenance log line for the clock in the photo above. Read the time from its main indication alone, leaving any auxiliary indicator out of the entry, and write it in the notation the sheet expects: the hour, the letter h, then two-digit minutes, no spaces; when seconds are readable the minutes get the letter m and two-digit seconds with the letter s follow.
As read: 6h20
